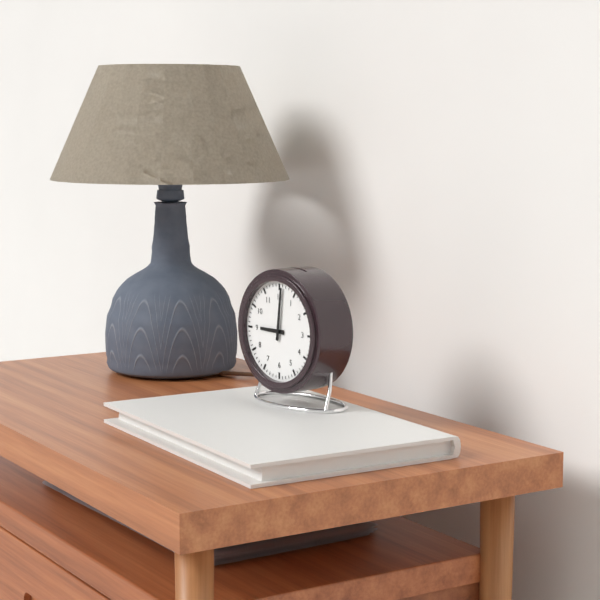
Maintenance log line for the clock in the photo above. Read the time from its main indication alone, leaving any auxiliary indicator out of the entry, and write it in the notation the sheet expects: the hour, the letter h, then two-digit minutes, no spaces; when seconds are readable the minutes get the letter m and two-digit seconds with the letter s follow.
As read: 9h01
